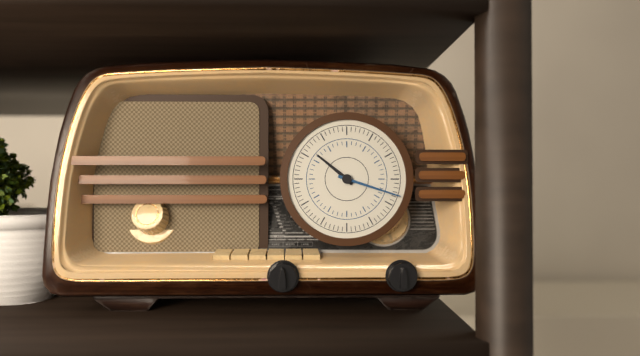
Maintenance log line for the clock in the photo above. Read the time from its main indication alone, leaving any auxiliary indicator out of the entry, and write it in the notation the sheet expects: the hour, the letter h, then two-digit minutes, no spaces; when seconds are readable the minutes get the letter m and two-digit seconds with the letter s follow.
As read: 10h18
